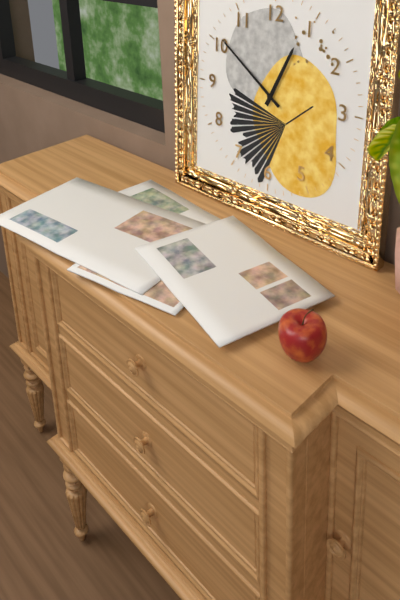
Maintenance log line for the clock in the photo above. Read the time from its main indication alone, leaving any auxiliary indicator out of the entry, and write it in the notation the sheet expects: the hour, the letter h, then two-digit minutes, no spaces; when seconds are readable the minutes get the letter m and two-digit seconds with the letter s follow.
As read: 12h51
